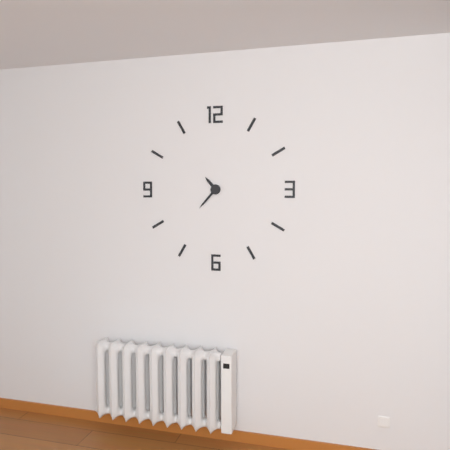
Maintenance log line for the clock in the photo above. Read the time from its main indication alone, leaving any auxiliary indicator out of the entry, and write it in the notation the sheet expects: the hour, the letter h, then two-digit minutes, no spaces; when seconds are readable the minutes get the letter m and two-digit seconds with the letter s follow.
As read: 10h37
